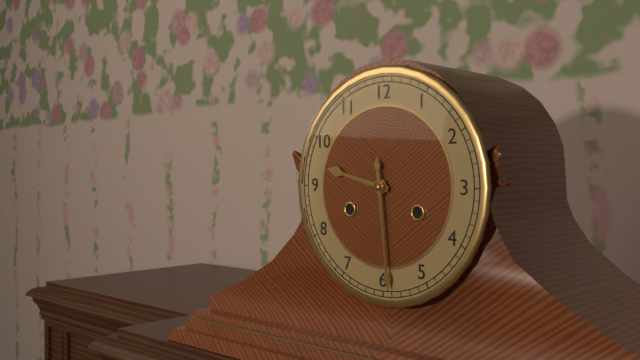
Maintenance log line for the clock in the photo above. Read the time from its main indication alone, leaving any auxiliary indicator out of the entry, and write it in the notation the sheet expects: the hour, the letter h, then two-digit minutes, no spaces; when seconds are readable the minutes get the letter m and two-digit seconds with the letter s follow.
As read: 9h29
